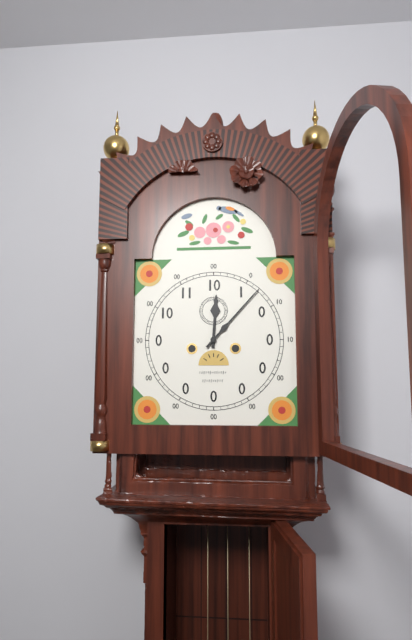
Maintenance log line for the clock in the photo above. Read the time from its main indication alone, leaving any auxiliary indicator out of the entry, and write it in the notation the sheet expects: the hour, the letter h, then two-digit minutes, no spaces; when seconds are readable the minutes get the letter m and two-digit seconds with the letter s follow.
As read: 12h07
